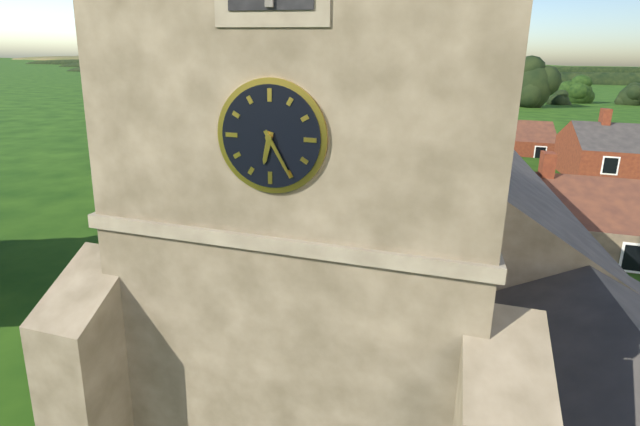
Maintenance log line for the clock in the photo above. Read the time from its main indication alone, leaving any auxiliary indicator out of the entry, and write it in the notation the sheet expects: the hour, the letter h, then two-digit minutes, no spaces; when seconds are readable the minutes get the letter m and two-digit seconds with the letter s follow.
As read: 6h25
